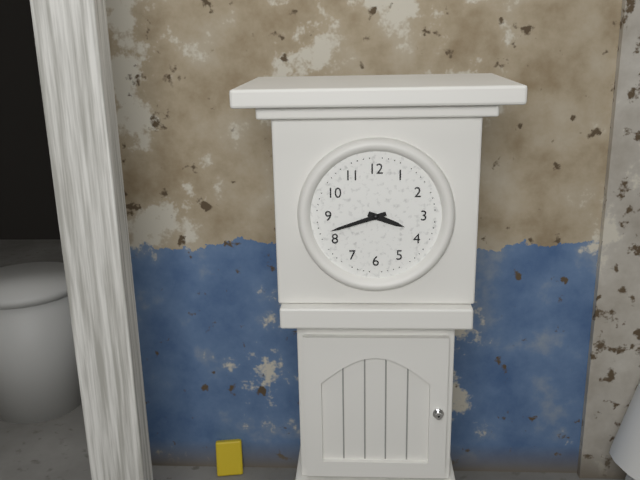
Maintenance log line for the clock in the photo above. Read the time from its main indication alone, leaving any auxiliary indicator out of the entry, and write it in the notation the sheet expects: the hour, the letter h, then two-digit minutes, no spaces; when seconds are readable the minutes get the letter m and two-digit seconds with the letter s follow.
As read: 3h42
